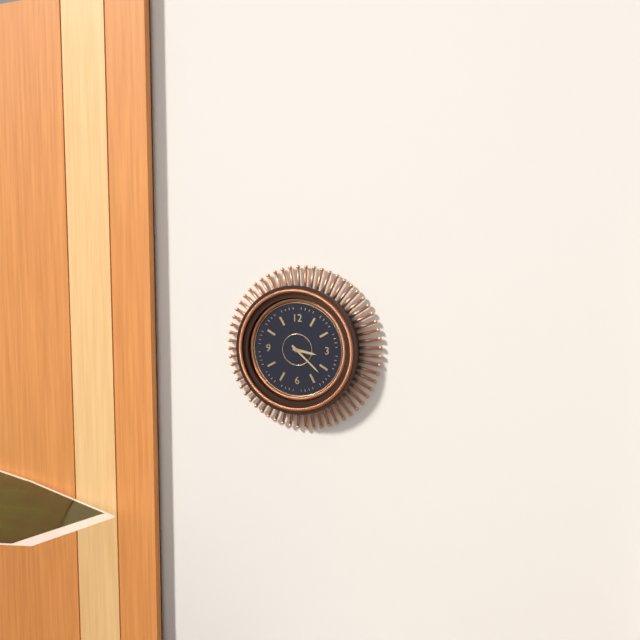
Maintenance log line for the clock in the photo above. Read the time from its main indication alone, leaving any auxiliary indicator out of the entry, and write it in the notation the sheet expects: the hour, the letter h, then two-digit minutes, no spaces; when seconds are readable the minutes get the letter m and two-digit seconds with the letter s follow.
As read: 3h22
